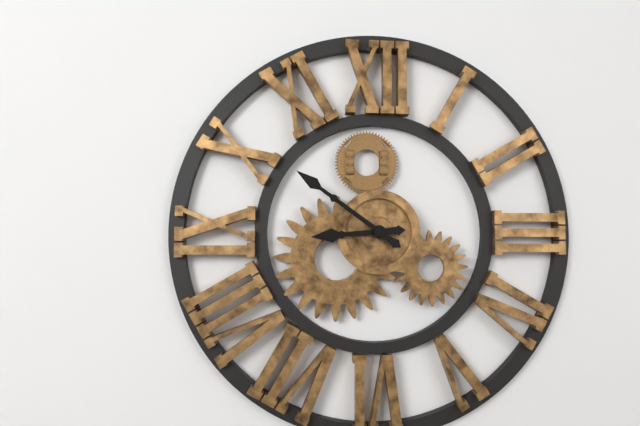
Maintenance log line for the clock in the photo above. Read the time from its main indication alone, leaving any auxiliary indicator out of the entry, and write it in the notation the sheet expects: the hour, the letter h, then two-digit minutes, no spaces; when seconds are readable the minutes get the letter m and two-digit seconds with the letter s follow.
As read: 8h51
